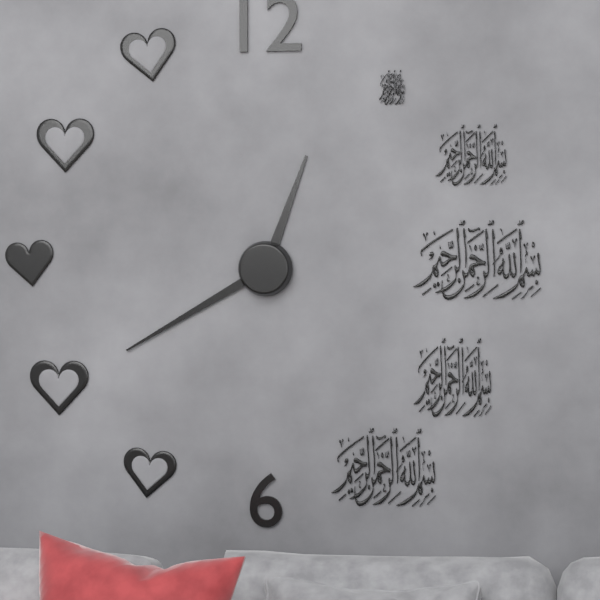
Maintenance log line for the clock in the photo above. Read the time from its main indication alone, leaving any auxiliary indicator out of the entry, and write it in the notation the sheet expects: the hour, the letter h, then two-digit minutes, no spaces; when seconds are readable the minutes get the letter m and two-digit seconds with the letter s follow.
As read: 12h40
